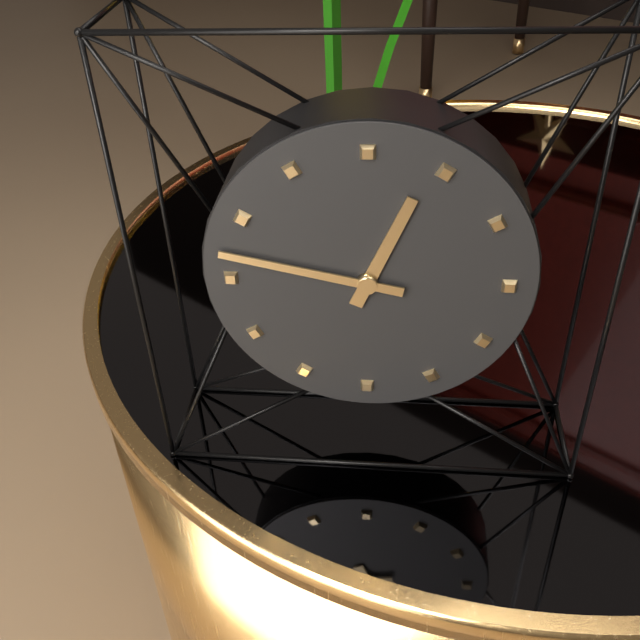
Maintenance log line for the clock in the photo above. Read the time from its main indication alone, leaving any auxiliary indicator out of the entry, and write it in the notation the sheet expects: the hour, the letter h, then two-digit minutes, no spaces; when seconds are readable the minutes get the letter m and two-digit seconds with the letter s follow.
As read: 12h47
